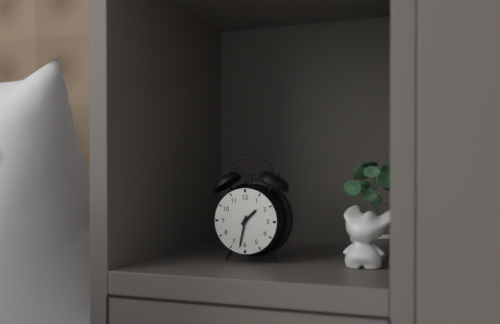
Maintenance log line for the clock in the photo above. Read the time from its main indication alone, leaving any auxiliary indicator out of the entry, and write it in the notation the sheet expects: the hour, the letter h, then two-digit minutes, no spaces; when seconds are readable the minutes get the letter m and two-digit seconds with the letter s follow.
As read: 1h32
